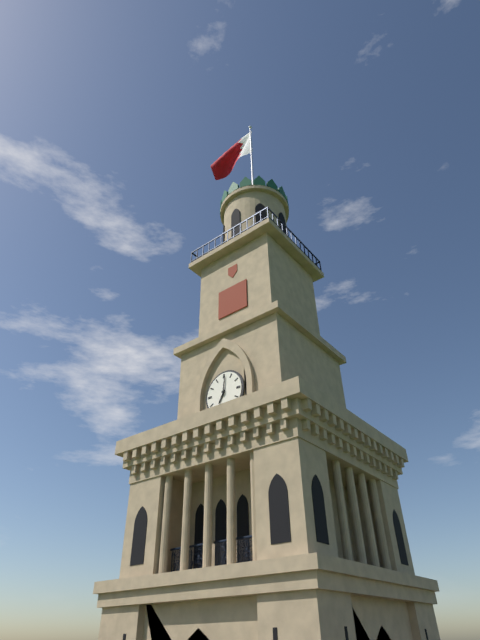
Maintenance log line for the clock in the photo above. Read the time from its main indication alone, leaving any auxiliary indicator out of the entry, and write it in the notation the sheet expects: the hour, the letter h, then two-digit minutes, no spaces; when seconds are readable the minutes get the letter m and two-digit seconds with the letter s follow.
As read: 7h01
